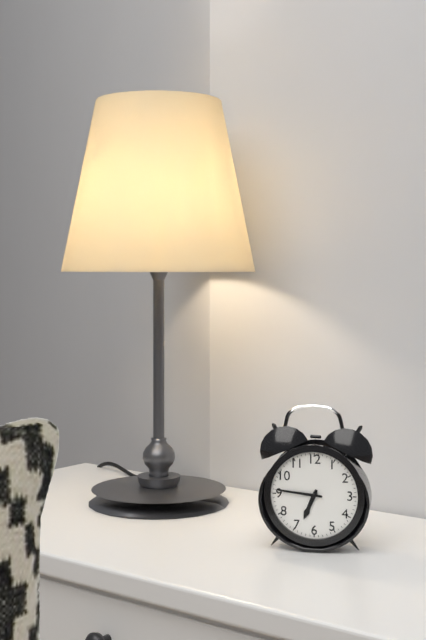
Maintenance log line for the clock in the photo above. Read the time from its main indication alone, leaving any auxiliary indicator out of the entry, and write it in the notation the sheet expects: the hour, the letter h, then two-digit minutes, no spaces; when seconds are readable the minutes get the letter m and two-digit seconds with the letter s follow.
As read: 6h46
